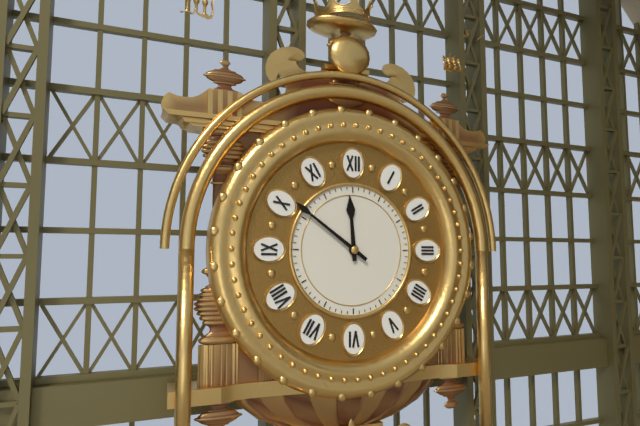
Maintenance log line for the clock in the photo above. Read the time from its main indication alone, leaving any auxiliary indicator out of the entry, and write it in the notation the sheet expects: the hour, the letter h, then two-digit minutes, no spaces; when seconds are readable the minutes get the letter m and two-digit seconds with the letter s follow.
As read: 11h51
